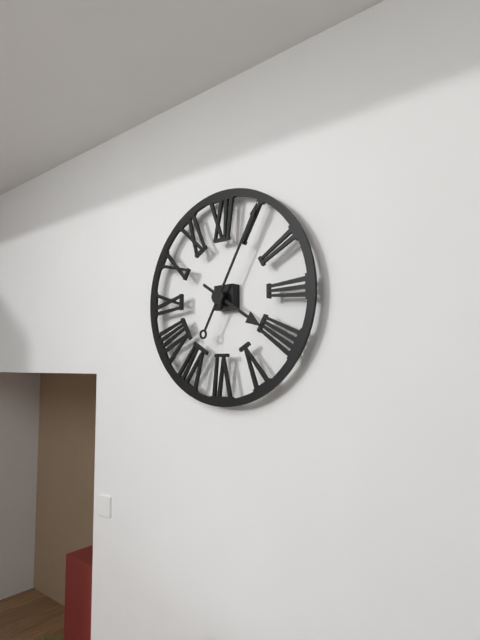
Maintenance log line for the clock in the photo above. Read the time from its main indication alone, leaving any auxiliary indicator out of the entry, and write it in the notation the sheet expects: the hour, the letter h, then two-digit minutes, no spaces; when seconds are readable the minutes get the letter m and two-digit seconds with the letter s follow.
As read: 4h05
